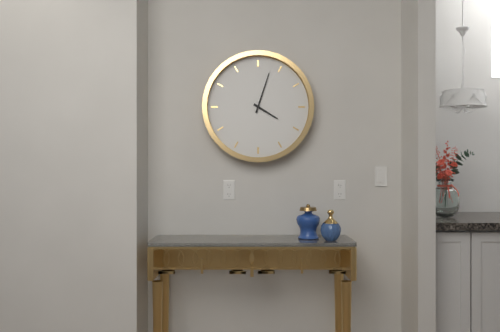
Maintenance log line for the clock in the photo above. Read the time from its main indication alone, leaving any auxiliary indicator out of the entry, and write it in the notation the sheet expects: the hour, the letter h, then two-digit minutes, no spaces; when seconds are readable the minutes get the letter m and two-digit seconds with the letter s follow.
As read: 4h03
